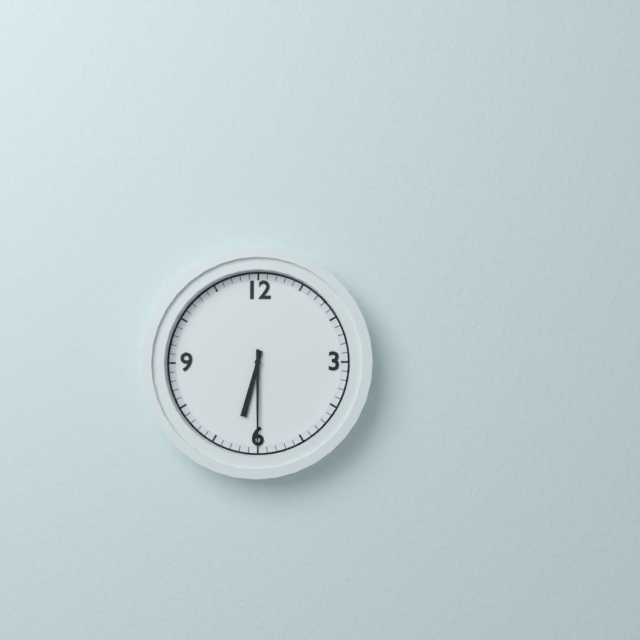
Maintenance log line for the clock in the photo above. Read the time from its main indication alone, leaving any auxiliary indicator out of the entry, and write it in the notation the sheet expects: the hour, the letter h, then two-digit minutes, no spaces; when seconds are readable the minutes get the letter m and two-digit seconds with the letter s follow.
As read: 6h30
